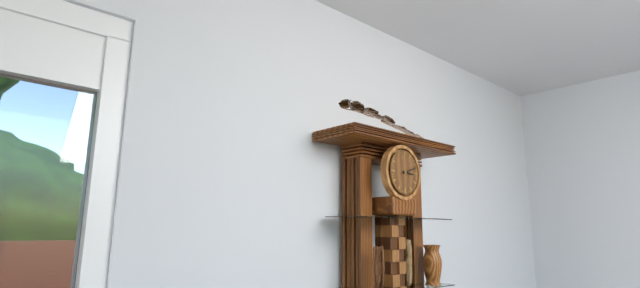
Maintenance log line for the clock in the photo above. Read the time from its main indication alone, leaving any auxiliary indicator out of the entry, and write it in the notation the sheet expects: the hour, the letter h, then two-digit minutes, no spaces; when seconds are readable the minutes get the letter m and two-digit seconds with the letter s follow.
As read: 3h12
